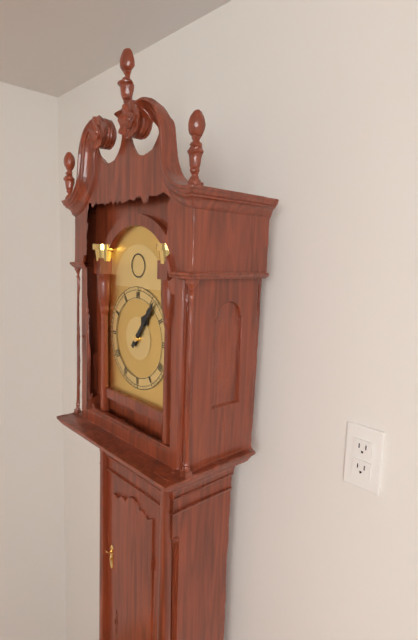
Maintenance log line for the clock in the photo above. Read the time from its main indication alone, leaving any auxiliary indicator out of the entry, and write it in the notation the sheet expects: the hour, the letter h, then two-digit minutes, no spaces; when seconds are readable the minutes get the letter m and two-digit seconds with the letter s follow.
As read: 1h06
